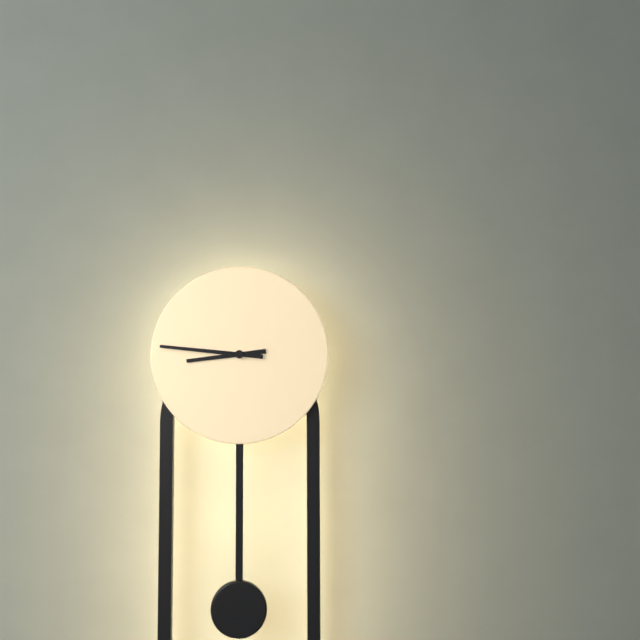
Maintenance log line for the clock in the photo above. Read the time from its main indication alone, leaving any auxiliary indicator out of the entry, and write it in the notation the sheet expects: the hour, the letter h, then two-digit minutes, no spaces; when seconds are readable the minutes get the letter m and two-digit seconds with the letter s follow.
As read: 8h46
